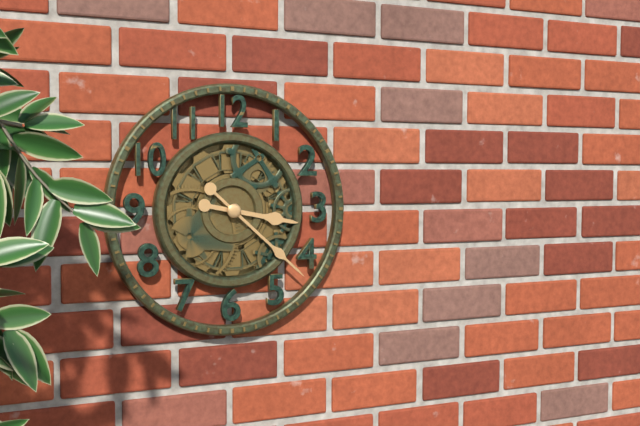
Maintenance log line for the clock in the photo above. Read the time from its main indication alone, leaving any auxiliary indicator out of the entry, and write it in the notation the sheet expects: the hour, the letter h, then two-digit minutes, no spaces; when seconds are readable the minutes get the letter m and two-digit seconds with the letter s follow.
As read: 3h22
